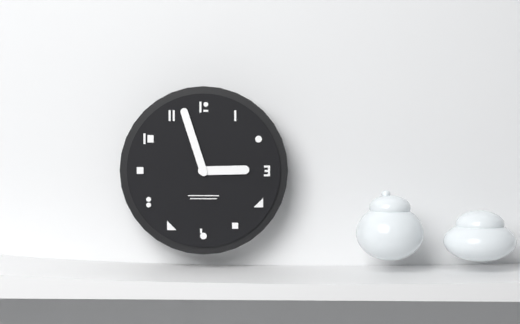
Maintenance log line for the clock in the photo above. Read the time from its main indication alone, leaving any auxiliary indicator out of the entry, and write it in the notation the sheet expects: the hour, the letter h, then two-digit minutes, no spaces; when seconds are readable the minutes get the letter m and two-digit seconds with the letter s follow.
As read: 2h57
